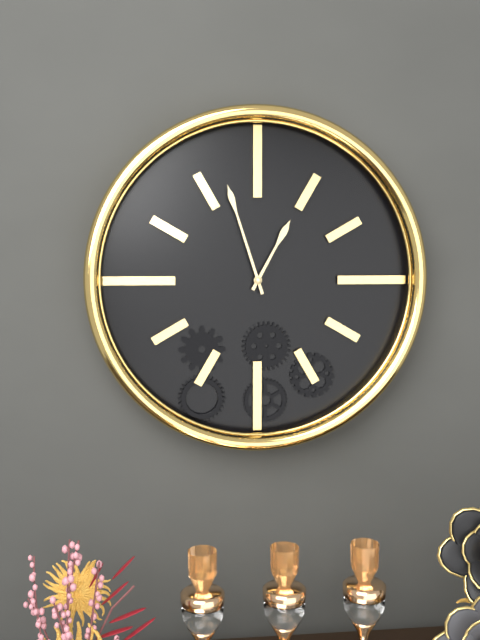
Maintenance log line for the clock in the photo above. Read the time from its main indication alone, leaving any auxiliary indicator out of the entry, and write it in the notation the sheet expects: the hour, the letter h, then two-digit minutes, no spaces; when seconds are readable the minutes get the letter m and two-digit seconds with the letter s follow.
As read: 12h57
